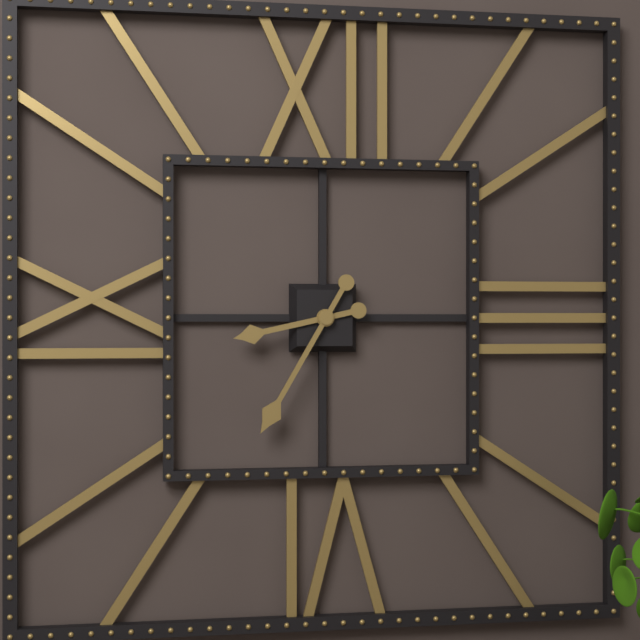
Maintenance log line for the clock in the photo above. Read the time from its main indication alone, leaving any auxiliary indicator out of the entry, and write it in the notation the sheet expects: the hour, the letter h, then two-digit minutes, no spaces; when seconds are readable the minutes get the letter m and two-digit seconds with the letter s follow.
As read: 8h35
